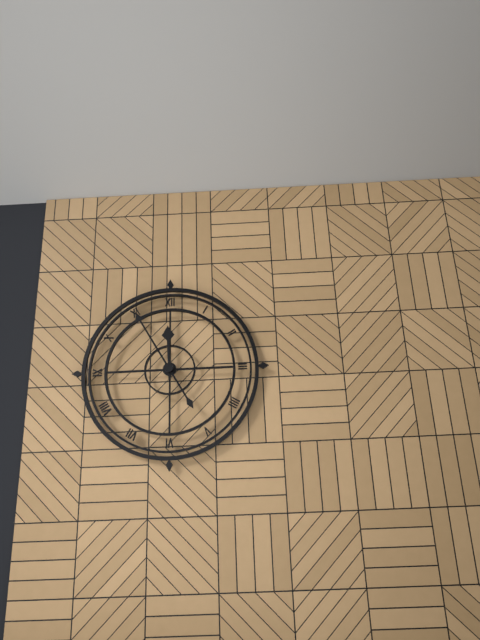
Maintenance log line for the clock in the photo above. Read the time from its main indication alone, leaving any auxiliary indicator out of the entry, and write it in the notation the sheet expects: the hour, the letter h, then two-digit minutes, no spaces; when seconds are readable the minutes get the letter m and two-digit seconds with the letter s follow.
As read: 11h55
